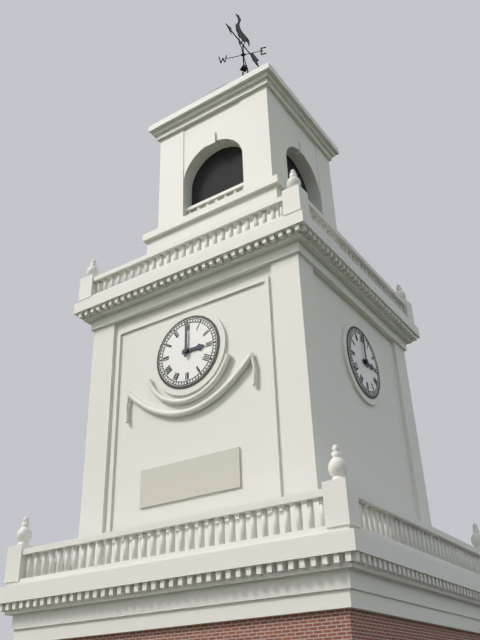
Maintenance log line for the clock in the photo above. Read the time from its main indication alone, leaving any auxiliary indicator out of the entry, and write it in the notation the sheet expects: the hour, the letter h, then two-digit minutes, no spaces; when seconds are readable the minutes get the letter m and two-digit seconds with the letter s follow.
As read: 3h00
